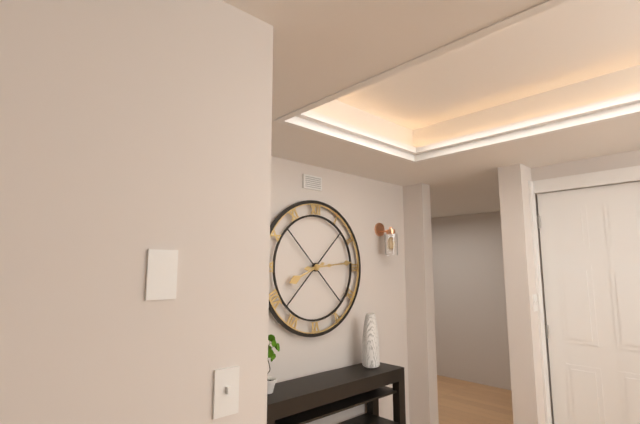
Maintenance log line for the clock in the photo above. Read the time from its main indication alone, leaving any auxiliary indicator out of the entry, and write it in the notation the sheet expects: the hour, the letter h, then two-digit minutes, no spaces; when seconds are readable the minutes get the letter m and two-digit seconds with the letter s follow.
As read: 8h14
